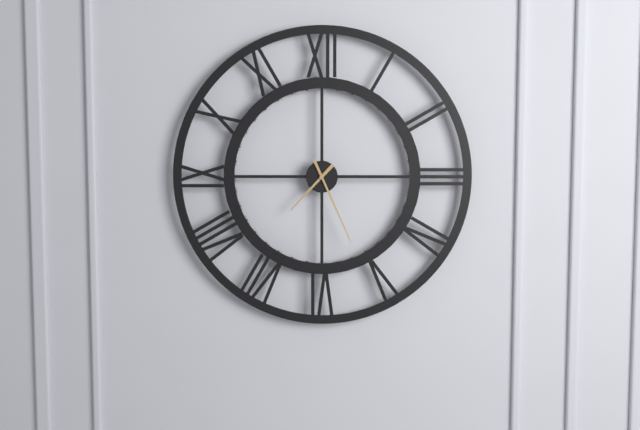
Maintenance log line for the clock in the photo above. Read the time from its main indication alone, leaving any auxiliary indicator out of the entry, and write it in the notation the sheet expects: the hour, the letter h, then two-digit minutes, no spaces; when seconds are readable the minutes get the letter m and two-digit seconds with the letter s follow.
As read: 7h26
